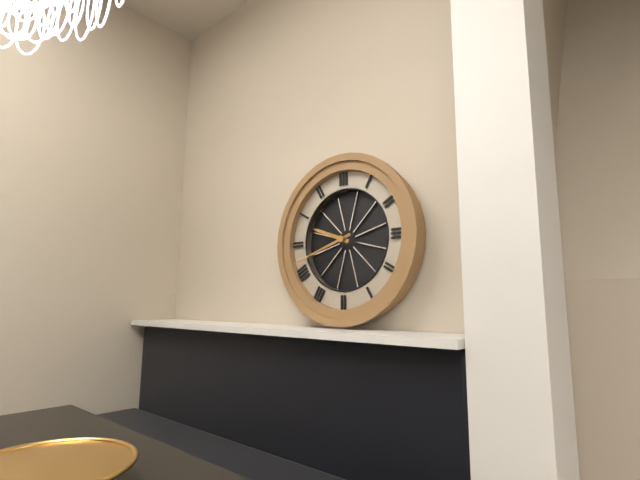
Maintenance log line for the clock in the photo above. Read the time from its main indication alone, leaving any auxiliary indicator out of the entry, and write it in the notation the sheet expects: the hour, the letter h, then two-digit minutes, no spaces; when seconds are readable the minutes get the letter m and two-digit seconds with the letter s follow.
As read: 9h42
